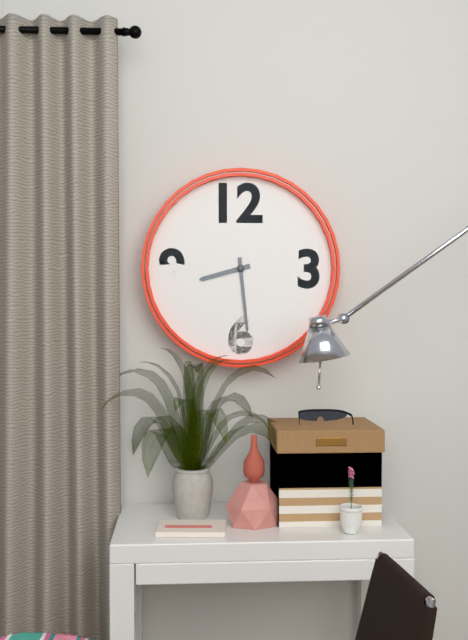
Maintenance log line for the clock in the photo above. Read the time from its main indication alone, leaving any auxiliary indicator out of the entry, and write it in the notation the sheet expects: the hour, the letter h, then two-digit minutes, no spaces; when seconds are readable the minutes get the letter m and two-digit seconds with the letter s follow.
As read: 8h29
